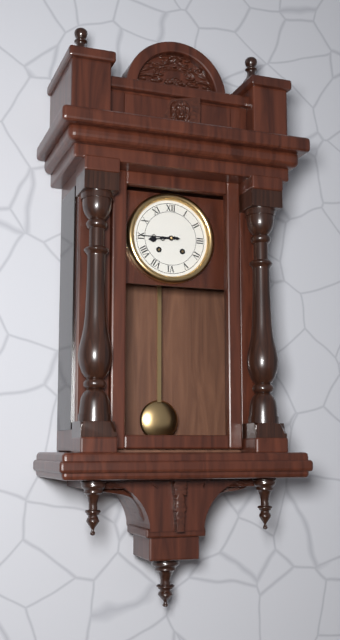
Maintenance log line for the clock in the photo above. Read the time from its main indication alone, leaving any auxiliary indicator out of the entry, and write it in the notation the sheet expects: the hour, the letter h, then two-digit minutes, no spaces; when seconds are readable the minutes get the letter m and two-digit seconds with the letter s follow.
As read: 8h45
